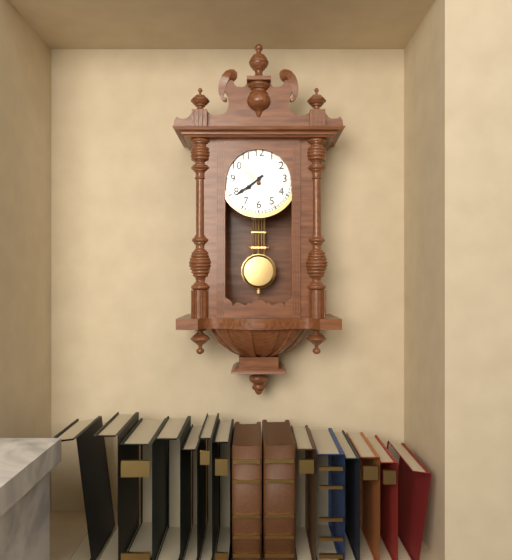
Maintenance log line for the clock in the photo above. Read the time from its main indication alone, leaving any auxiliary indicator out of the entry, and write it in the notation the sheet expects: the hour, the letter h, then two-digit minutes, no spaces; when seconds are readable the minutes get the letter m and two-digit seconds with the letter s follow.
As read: 7h39
